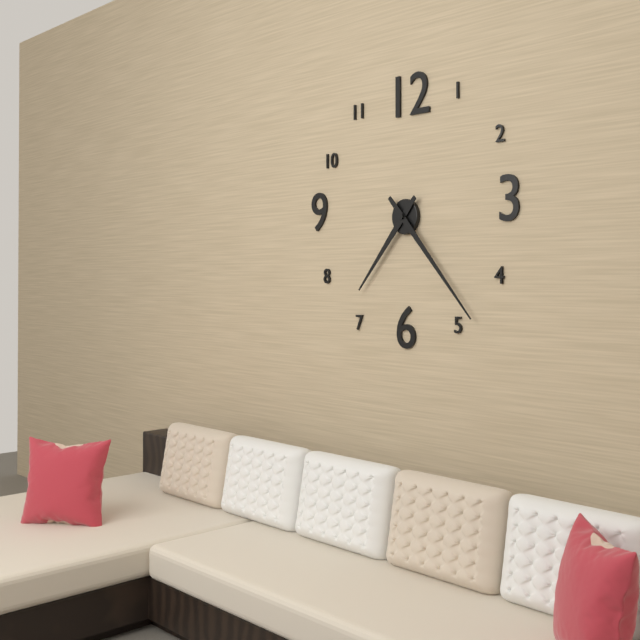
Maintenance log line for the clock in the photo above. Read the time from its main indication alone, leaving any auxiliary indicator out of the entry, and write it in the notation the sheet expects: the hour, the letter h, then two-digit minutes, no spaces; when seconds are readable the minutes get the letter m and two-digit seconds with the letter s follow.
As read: 7h23
